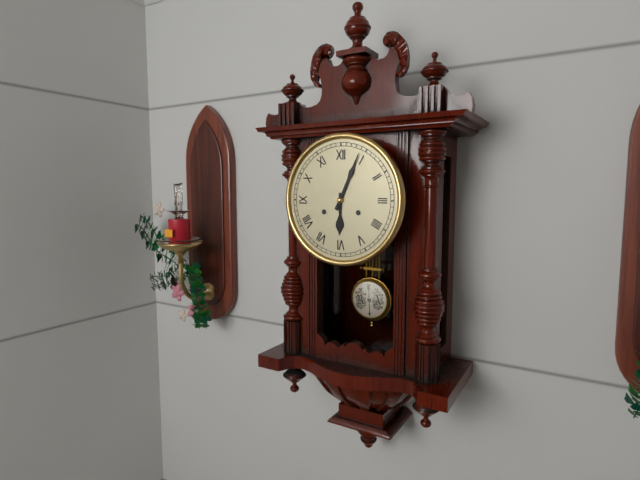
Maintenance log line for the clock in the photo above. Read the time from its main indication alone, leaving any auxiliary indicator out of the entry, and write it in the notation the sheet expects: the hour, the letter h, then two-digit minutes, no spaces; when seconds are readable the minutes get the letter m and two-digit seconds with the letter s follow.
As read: 6h04
